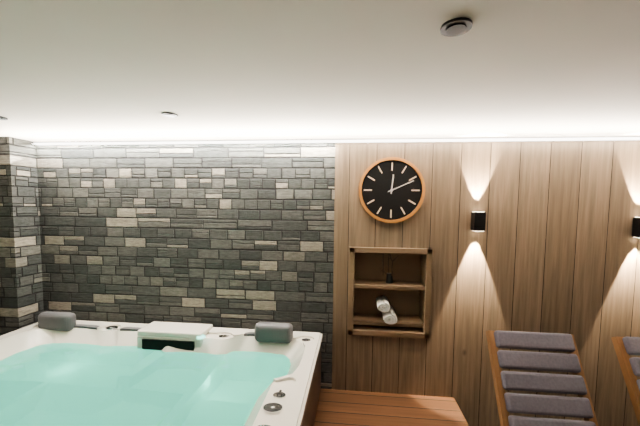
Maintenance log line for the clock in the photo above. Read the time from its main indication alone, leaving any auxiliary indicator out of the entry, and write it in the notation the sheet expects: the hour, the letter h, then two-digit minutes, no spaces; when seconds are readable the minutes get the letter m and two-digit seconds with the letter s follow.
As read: 12h11
